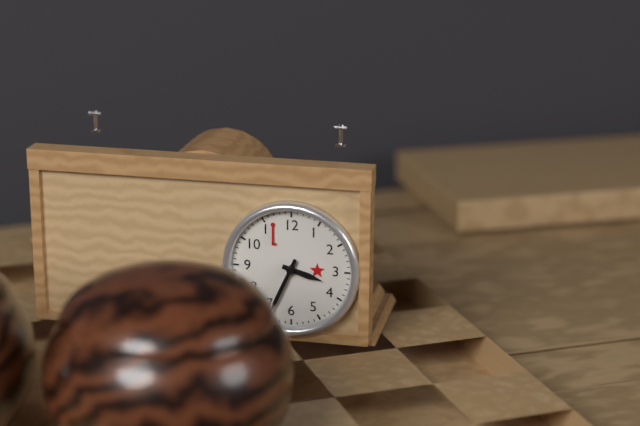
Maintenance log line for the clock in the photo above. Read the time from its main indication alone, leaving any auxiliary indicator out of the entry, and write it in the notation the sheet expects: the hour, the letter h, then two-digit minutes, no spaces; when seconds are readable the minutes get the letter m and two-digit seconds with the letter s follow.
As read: 3h34
